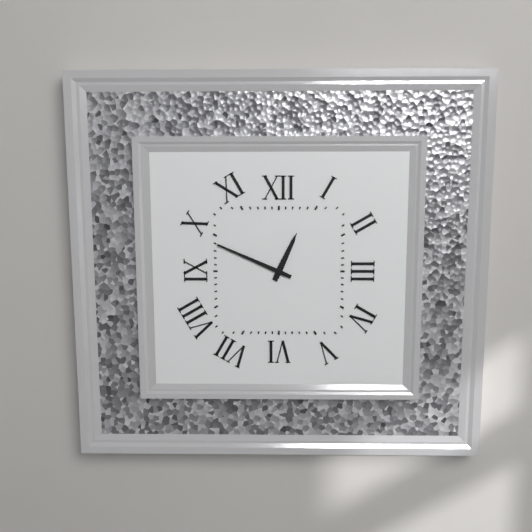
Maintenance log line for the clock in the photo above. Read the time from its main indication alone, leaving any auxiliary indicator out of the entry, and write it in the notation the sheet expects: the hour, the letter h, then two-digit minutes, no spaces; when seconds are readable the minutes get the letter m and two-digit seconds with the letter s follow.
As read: 12h49
